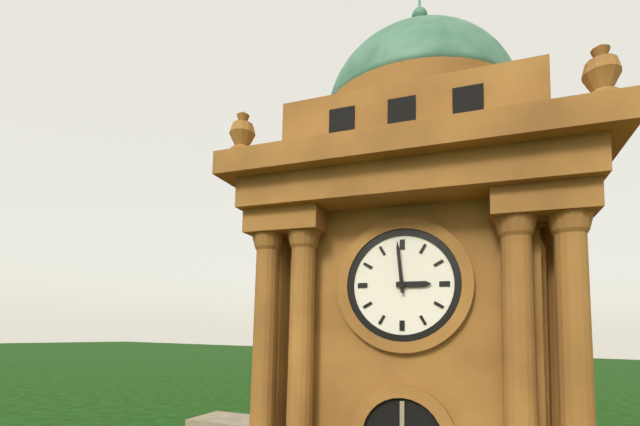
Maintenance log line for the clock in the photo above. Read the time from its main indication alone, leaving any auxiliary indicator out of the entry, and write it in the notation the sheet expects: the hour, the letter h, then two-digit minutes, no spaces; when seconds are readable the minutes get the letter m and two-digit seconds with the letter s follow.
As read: 2h59
